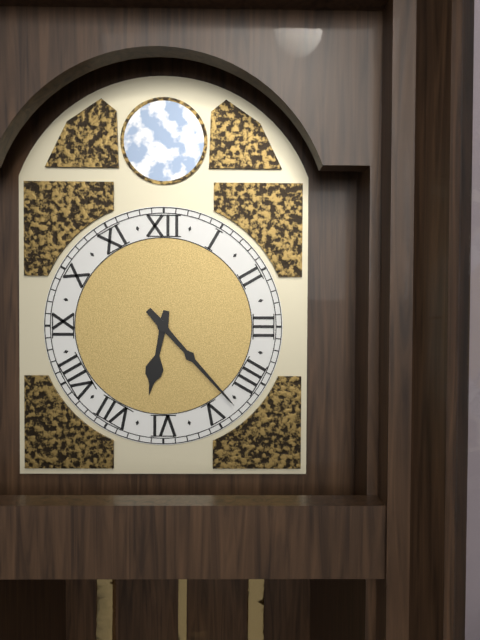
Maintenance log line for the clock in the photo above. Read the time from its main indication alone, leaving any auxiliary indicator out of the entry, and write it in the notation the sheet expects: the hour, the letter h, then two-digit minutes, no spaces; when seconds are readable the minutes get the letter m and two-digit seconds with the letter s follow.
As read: 6h23
